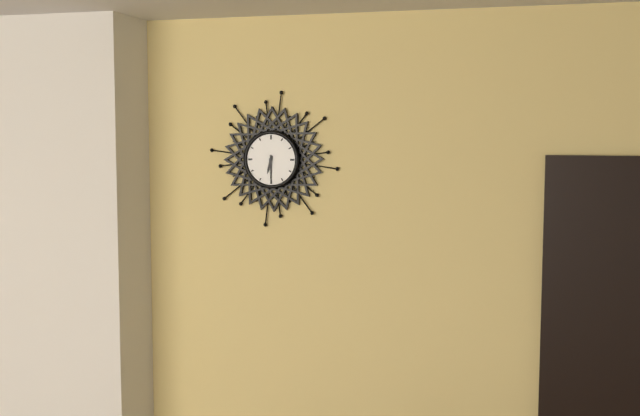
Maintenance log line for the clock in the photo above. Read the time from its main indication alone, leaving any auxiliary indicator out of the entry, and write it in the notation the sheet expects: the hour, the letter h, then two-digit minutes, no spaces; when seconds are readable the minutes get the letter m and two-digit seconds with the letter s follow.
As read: 6h30
